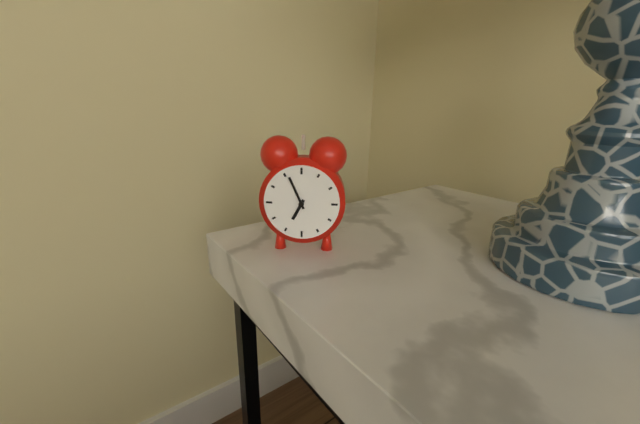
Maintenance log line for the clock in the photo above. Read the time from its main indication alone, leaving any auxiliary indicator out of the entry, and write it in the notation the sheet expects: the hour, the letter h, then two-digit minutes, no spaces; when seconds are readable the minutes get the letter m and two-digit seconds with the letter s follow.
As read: 6h56
